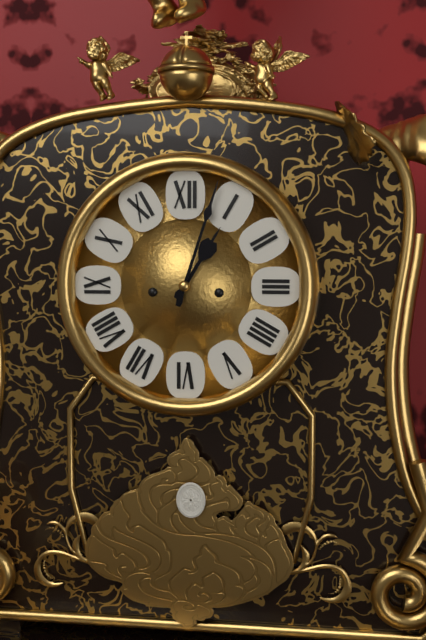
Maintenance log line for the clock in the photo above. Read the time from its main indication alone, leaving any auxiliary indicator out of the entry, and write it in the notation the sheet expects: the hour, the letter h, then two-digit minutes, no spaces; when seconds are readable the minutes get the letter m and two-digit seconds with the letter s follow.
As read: 1h03
